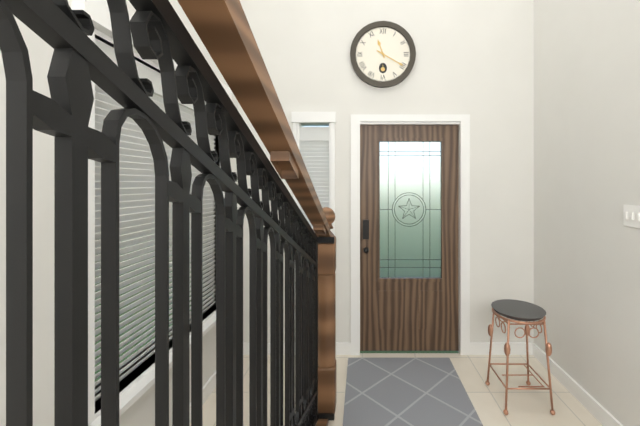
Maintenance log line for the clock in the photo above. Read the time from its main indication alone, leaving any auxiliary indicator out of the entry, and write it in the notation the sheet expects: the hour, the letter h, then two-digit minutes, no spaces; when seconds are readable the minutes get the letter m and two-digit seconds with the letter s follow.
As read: 11h20
